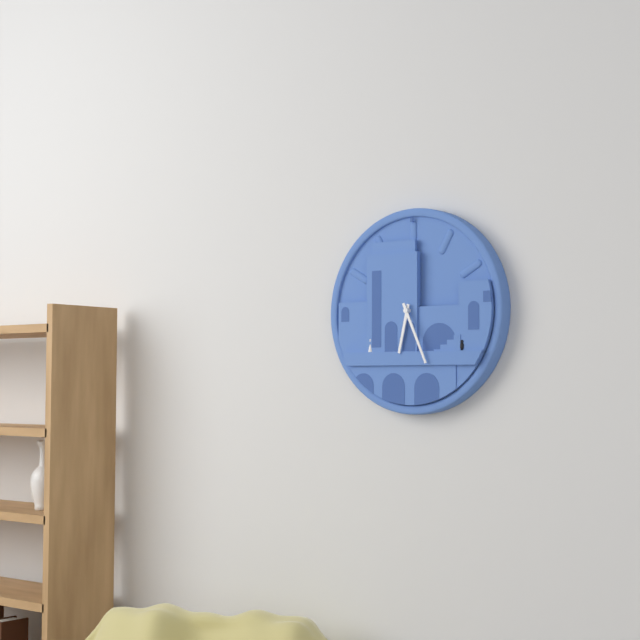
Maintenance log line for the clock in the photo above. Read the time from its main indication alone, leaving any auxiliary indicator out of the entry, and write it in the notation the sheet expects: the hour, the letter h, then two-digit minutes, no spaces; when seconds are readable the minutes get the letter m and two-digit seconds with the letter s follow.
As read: 6h26
